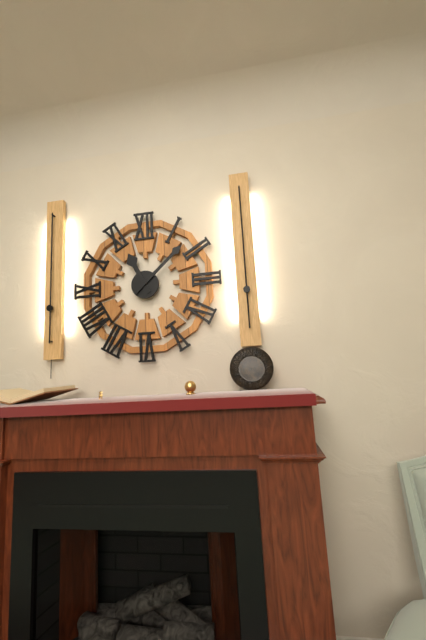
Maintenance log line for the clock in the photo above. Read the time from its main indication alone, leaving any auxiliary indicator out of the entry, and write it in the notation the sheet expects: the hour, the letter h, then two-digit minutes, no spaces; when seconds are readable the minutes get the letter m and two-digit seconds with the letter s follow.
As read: 11h08
